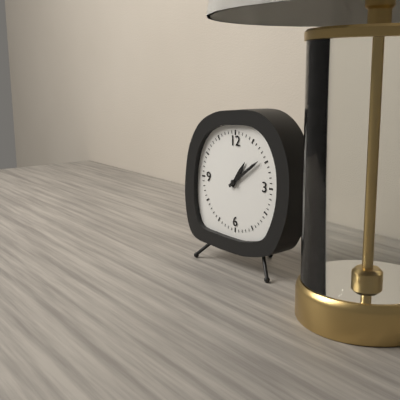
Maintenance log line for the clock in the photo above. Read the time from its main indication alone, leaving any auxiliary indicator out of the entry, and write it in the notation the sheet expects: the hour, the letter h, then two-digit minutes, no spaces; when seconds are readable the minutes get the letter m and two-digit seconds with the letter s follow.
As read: 1h09
